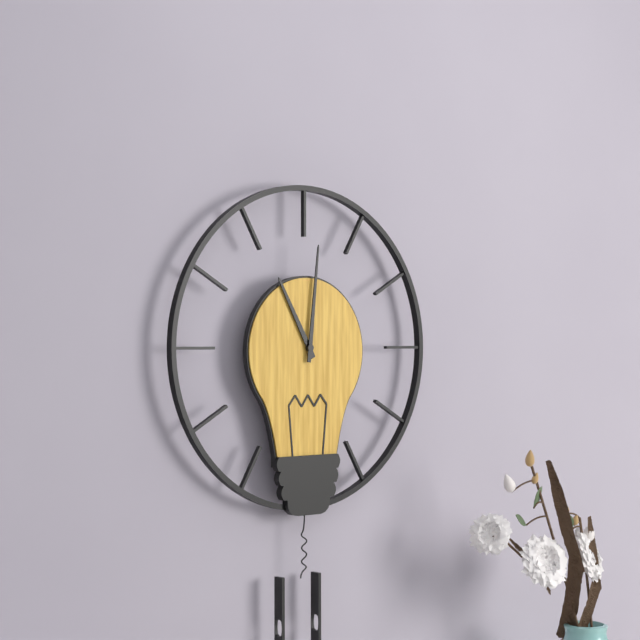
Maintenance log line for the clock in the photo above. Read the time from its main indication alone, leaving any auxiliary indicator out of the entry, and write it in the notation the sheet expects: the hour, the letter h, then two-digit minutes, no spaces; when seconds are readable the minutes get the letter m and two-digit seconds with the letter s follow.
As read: 11h01
